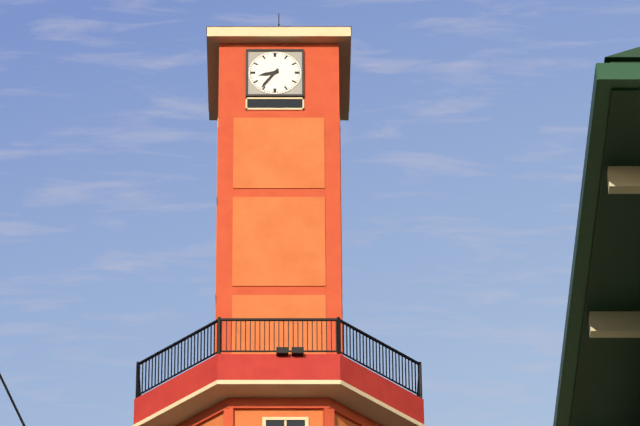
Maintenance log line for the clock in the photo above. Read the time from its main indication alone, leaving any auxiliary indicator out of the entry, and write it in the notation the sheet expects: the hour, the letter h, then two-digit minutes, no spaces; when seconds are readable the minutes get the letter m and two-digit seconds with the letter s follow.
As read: 8h36
